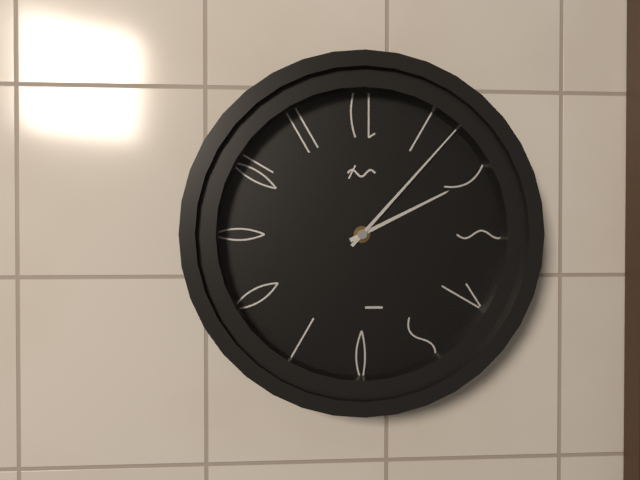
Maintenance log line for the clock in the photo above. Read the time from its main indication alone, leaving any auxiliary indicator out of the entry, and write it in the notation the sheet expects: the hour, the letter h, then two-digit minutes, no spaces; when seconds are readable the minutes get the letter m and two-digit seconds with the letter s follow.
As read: 2h07
